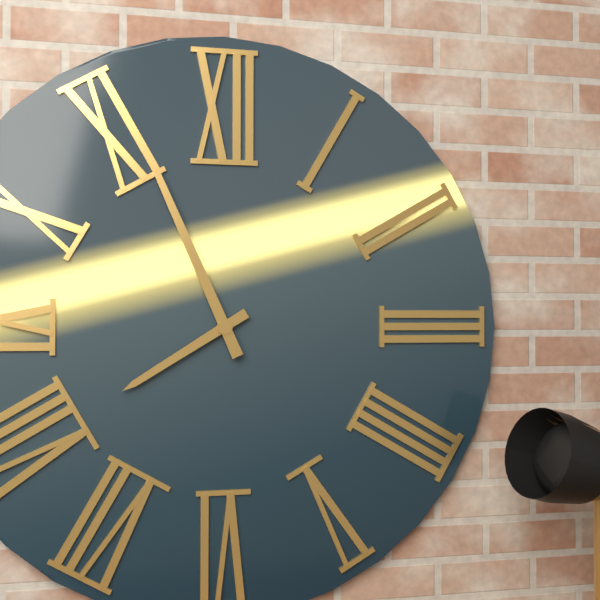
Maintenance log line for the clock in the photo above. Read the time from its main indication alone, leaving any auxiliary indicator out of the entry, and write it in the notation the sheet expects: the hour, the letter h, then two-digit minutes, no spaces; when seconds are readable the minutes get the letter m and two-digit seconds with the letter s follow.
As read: 7h56
